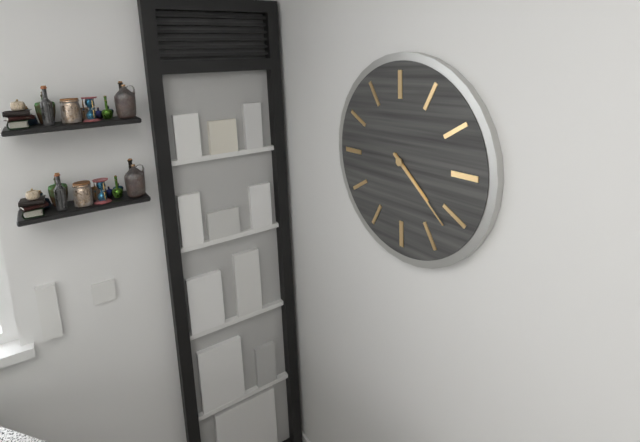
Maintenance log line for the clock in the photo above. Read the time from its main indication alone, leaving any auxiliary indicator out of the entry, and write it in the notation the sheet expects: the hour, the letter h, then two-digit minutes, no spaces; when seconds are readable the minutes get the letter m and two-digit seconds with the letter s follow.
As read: 4h22
